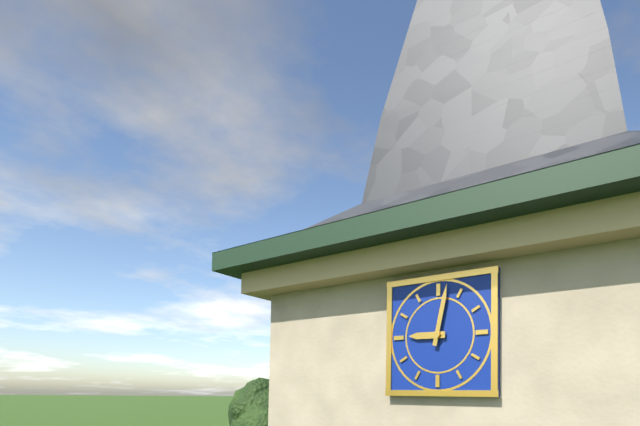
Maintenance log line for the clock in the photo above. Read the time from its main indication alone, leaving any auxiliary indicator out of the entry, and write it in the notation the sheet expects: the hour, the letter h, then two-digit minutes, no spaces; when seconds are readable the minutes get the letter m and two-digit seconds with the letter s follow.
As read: 9h02
